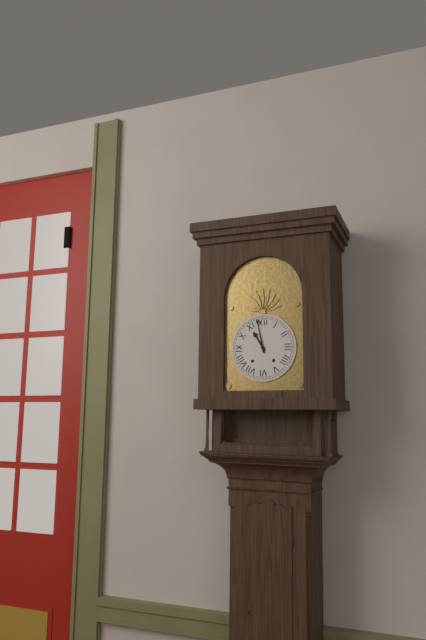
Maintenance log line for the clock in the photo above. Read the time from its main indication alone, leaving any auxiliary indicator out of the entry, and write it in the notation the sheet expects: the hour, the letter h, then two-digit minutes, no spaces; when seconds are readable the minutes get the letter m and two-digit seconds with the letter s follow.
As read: 10h58
